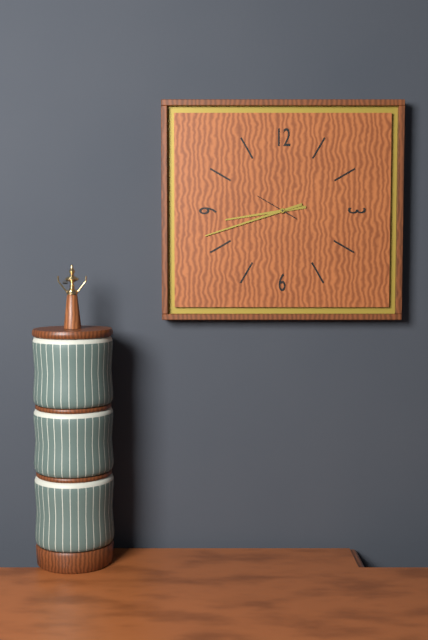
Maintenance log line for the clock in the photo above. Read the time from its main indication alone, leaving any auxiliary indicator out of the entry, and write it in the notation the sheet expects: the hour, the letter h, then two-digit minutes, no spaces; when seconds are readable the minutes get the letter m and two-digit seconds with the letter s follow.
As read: 8h42
